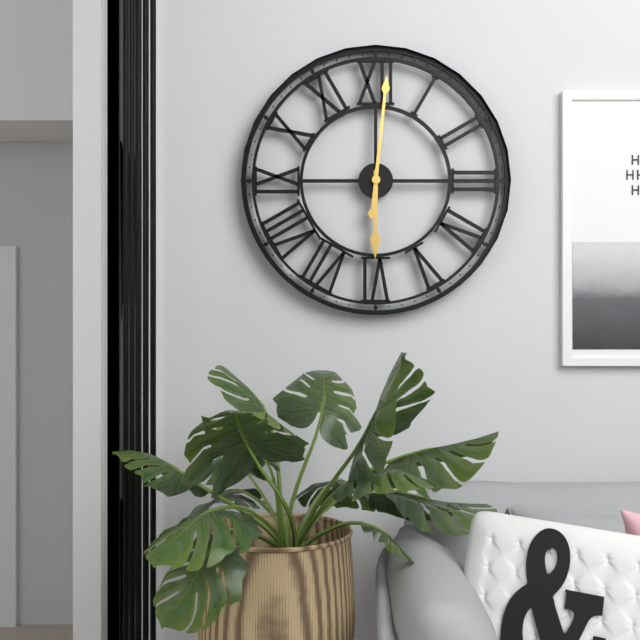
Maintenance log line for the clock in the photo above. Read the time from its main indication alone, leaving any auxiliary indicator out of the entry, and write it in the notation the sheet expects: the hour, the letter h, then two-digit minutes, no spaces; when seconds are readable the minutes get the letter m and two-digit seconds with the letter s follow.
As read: 6h01
